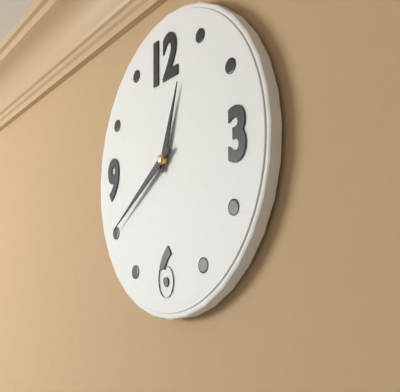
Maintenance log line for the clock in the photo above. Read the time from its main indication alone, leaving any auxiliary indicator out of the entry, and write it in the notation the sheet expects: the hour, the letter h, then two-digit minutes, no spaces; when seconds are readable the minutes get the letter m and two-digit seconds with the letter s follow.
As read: 12h40
